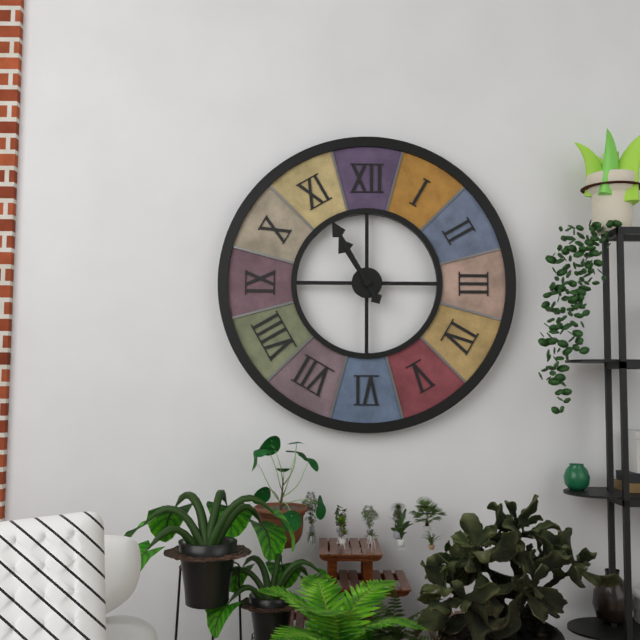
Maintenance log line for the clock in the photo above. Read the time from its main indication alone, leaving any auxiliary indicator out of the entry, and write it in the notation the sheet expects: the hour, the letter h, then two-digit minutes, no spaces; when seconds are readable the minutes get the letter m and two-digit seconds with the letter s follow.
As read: 10h55
